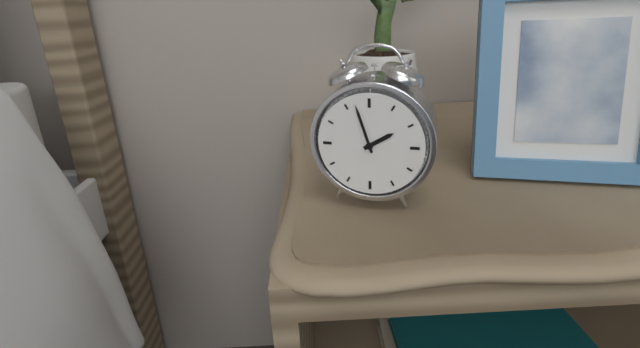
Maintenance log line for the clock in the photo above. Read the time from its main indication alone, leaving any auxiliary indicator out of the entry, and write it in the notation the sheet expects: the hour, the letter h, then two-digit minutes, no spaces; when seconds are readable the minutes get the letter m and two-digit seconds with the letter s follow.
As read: 1h57
